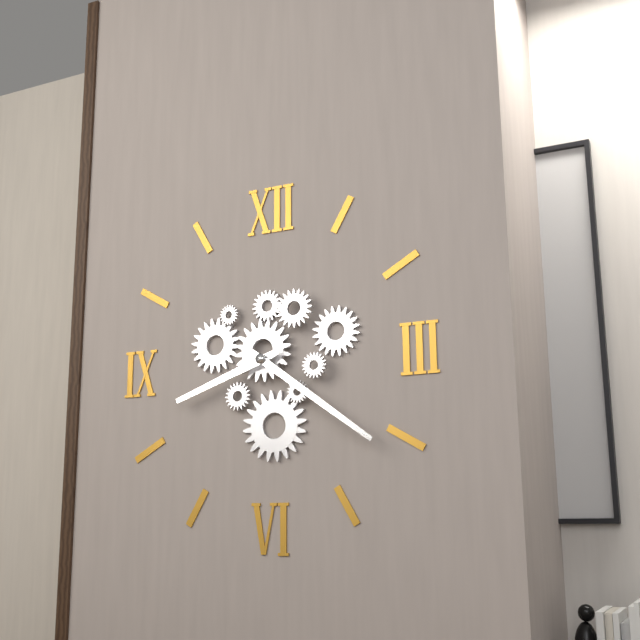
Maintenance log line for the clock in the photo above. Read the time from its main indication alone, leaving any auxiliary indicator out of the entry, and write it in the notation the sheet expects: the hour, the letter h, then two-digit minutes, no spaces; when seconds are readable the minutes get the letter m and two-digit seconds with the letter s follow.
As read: 8h21
